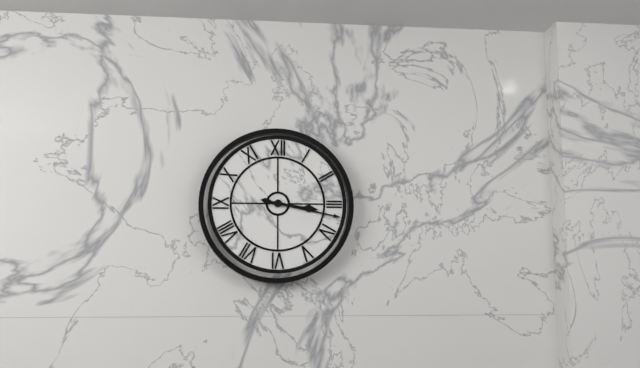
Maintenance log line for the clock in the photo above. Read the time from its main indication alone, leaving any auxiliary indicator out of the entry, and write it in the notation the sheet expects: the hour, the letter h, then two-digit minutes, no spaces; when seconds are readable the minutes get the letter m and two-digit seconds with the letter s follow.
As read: 3h17
